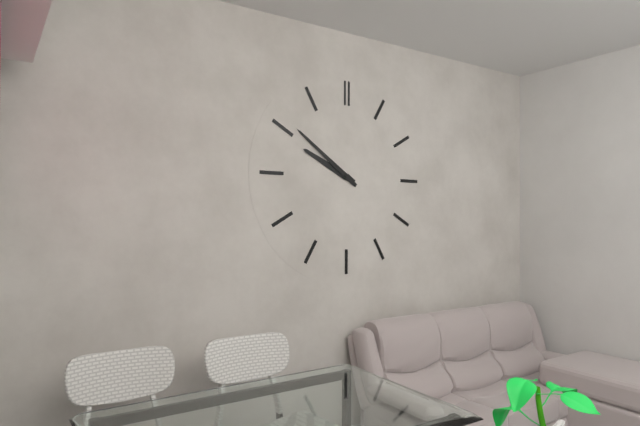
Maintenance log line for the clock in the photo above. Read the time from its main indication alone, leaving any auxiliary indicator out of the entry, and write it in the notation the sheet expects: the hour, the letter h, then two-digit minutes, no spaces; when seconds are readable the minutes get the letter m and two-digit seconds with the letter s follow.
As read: 9h51
